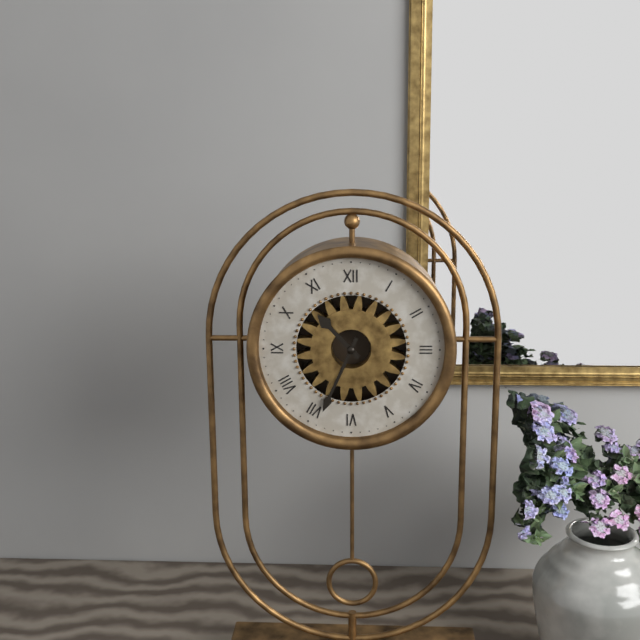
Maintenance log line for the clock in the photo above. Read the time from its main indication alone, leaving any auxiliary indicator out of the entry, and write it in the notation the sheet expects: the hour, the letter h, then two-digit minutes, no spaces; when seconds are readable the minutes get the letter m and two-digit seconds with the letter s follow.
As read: 10h34
